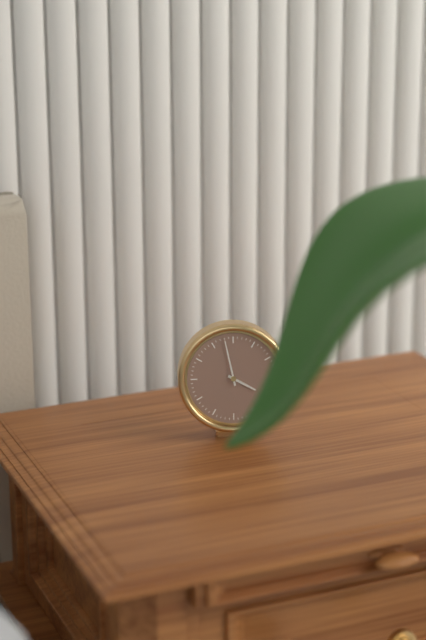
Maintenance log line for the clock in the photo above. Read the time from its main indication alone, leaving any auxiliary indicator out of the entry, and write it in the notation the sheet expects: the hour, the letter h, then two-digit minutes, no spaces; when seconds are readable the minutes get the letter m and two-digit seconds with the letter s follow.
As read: 3h58
